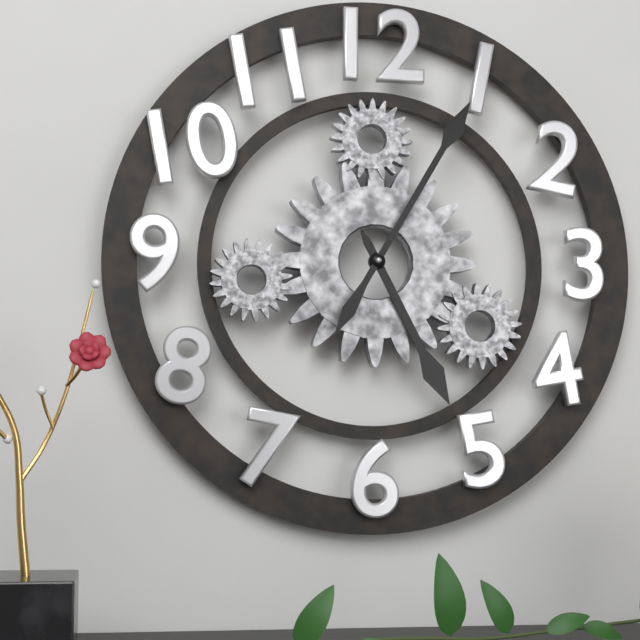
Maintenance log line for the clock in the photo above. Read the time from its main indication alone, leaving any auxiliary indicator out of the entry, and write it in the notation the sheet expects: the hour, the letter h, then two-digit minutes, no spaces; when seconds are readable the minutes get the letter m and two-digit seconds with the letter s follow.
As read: 5h05
